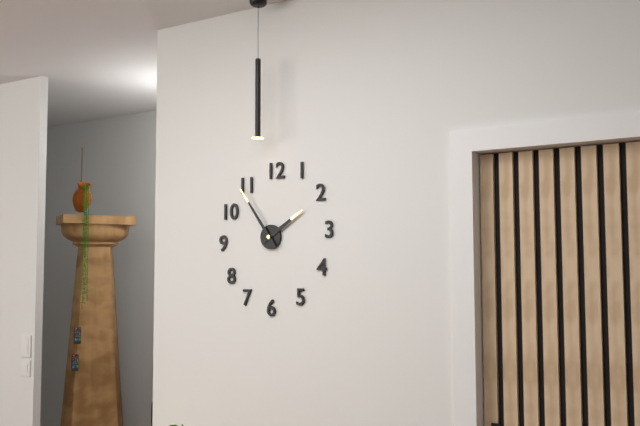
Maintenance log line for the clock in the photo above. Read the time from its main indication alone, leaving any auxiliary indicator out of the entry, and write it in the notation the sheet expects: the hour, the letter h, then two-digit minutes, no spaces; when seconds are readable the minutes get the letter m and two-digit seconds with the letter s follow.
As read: 1h54
